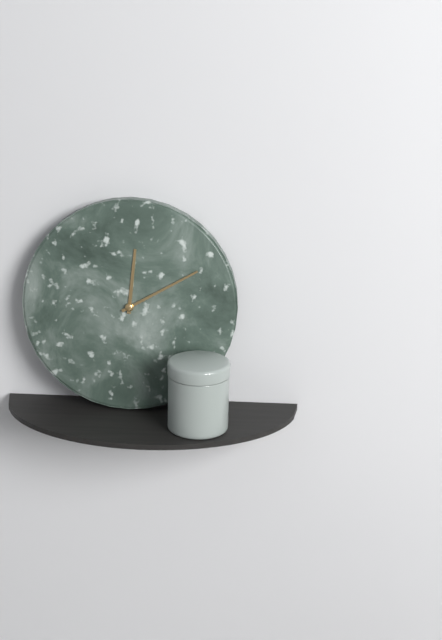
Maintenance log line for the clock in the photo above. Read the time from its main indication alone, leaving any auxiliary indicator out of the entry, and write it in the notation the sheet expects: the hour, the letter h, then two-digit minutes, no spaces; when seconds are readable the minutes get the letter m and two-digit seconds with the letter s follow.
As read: 12h10
